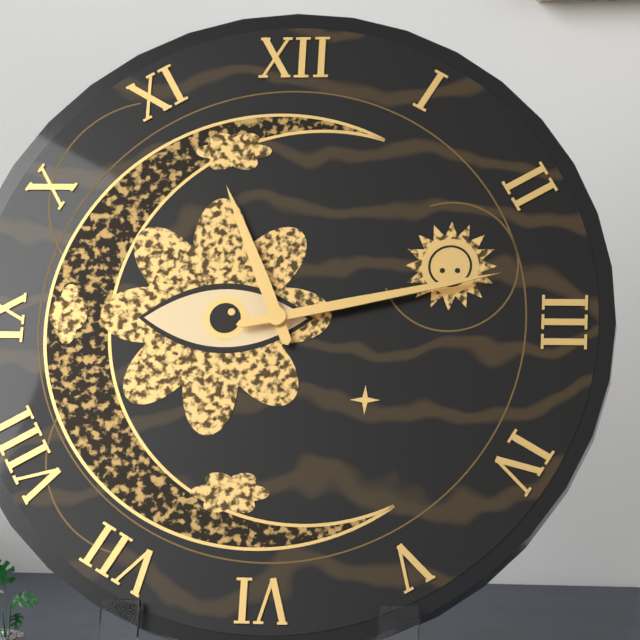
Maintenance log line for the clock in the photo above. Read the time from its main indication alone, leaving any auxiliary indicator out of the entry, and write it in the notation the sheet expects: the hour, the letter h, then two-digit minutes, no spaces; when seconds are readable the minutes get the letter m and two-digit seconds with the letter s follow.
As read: 11h13
